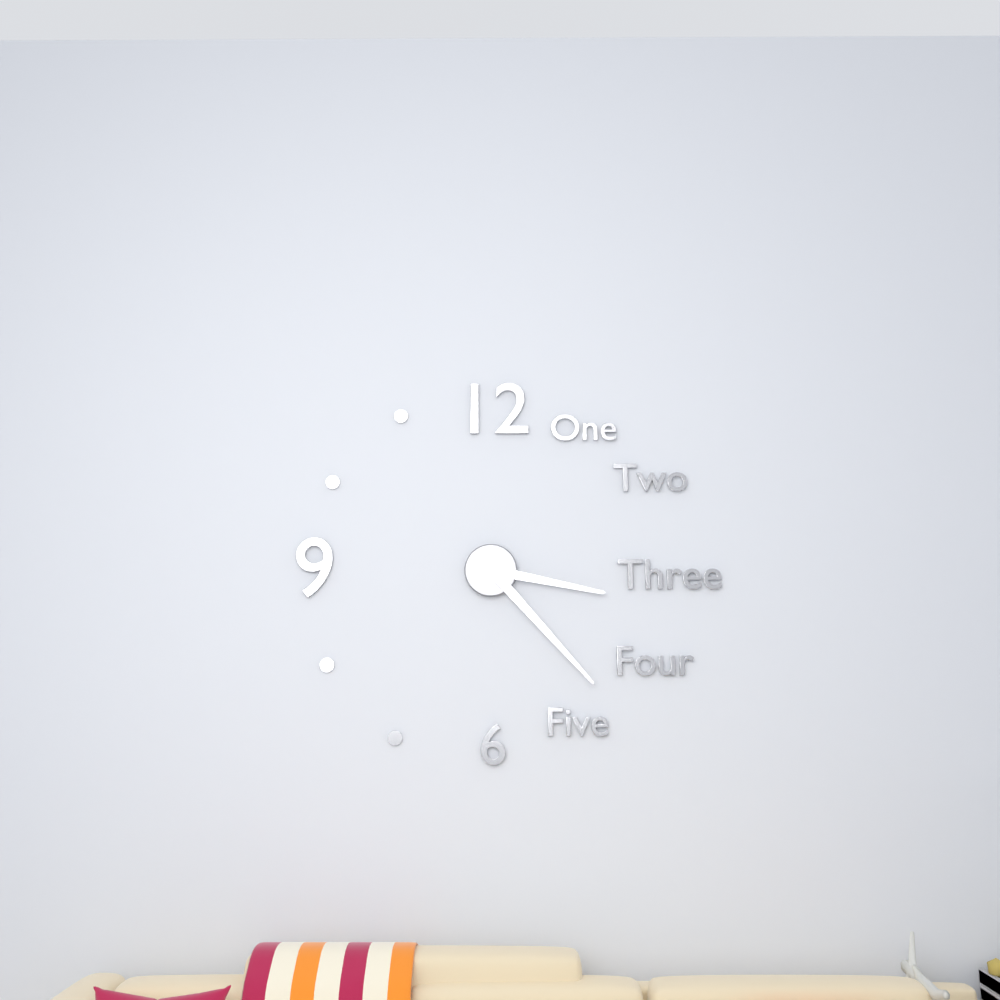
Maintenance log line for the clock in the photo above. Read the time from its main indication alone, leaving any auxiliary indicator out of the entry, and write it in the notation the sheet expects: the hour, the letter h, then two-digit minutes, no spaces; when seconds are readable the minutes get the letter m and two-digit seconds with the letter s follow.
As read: 3h23
